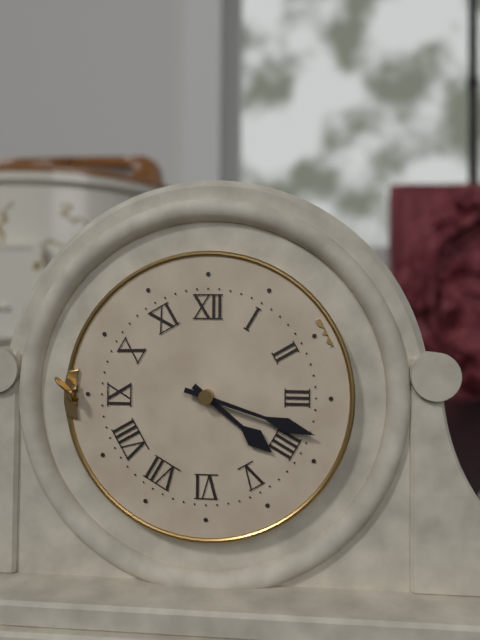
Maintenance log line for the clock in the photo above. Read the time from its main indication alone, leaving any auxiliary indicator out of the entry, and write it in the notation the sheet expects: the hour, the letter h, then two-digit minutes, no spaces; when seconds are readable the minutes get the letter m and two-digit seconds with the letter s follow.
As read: 4h18
